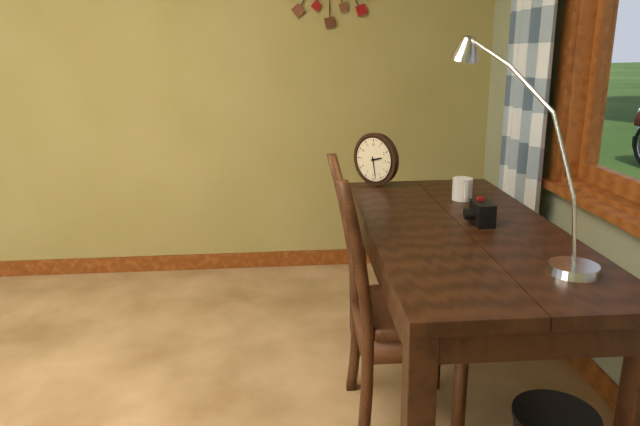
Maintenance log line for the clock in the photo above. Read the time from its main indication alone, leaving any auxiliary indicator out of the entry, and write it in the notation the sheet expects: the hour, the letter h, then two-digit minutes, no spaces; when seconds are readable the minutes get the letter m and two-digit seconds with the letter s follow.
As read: 2h28
